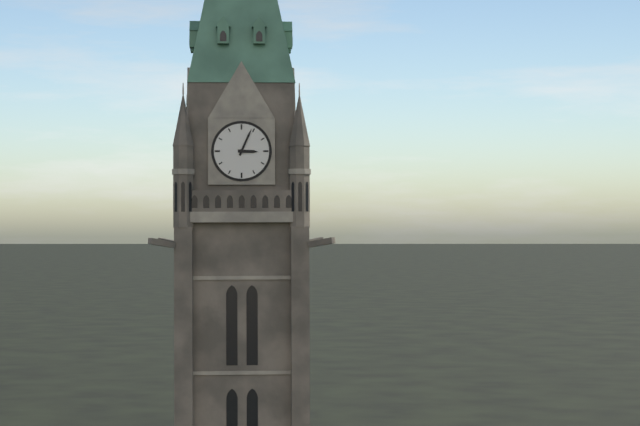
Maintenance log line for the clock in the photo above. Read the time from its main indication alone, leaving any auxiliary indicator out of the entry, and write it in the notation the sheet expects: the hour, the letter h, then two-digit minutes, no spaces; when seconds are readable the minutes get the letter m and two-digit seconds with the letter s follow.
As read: 3h04
